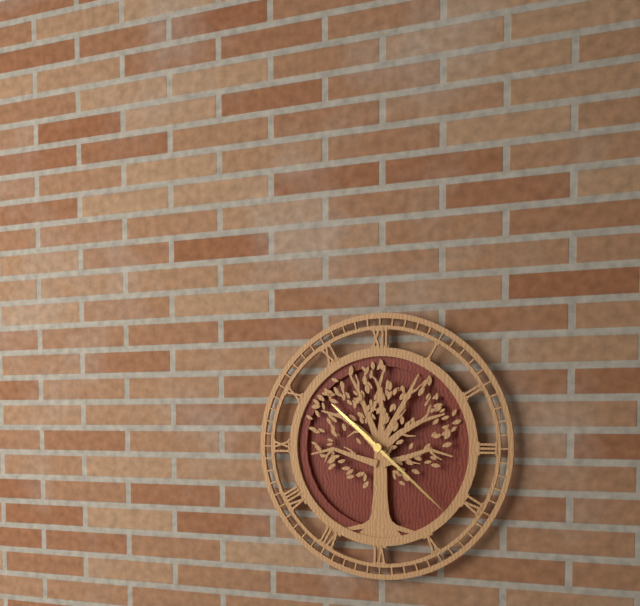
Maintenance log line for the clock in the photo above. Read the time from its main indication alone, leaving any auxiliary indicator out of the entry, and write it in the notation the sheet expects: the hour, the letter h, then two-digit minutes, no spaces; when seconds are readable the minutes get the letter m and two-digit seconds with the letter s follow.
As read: 10h22
